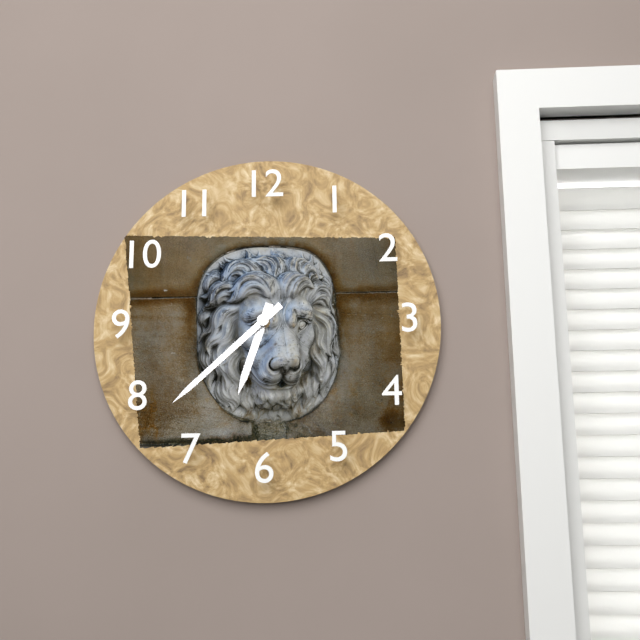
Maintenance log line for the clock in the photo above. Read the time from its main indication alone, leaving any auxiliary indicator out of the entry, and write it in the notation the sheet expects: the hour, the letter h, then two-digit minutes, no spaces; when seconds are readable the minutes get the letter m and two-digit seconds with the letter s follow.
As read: 6h38
